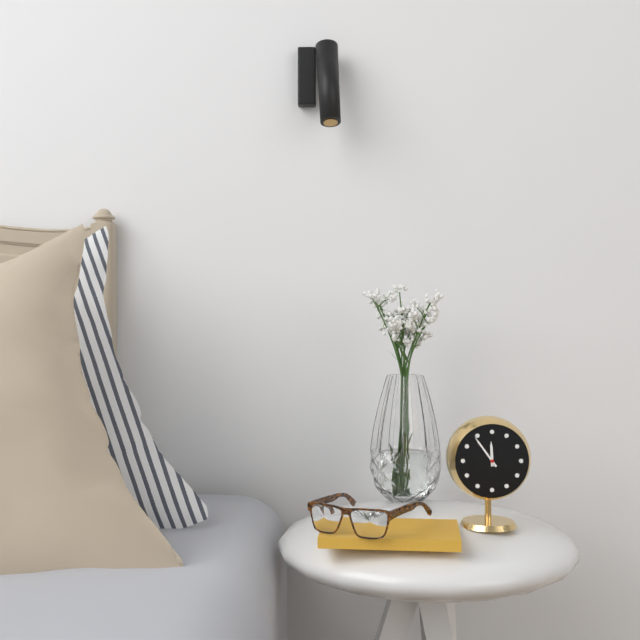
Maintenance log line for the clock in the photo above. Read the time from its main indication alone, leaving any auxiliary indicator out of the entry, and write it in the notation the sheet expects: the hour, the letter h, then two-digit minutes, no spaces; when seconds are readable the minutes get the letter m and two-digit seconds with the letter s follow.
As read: 11h54
